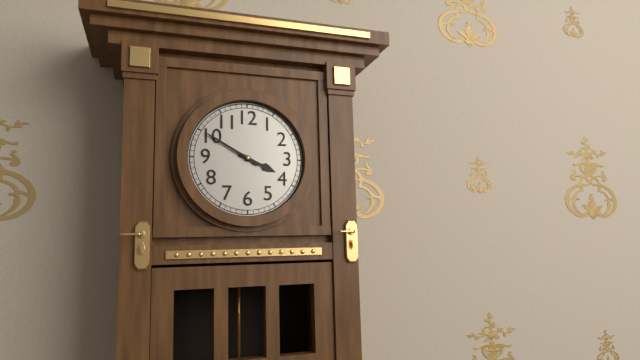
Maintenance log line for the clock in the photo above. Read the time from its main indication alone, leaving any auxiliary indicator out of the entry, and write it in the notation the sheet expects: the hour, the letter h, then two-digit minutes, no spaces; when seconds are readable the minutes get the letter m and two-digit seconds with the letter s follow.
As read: 3h50
